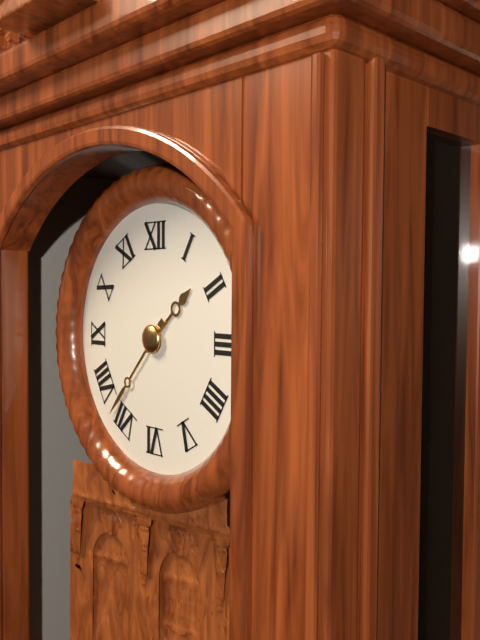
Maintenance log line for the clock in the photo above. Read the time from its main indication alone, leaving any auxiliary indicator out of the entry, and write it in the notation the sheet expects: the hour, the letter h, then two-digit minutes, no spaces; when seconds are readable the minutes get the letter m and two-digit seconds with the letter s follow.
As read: 1h37
